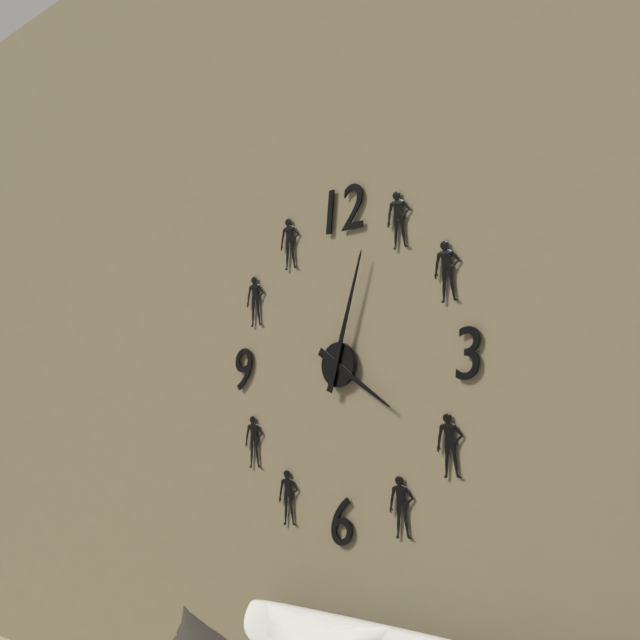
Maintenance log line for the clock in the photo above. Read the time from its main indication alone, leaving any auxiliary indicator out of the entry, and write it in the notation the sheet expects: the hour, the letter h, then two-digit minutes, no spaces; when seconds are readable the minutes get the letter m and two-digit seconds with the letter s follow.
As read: 4h03
